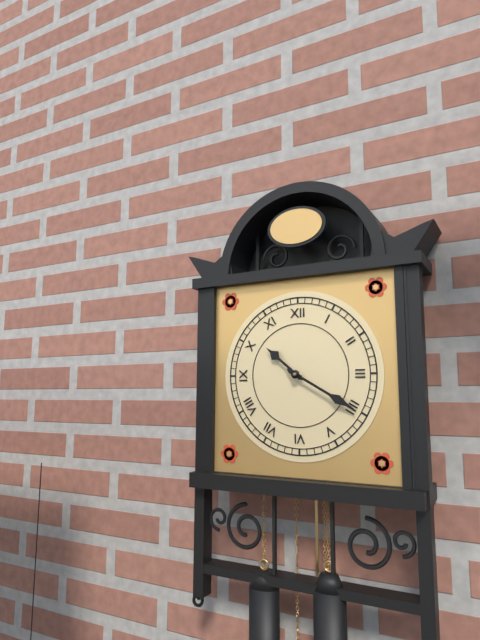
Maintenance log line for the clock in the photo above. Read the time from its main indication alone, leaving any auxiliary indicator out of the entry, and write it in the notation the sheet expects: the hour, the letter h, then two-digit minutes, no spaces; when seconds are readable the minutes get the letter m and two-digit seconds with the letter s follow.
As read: 10h20
